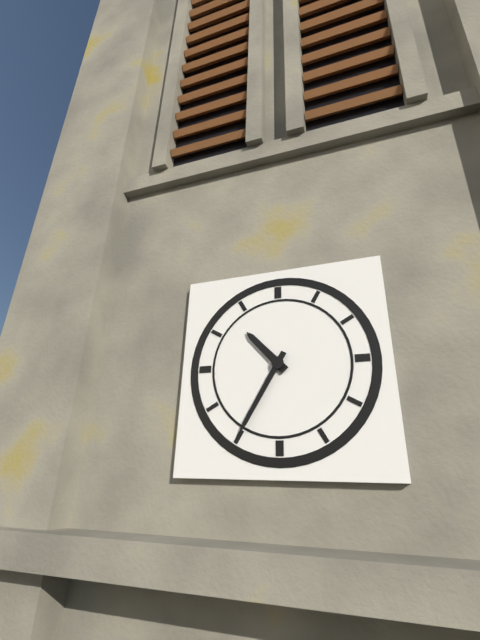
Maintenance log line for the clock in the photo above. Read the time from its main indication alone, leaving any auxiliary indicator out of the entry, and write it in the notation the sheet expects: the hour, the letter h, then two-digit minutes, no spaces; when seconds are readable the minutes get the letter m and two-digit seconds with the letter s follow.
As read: 10h35
